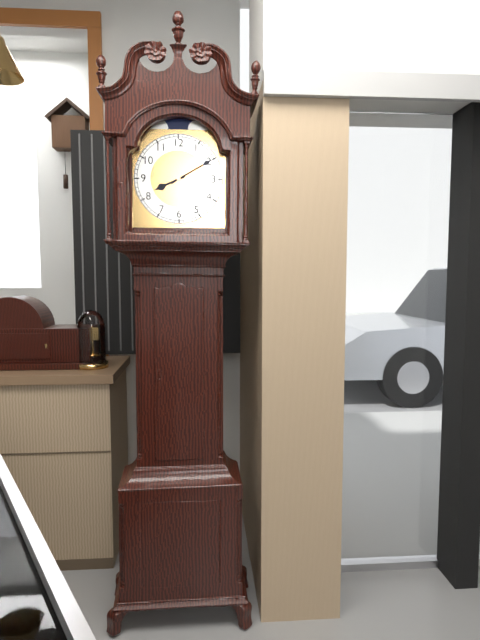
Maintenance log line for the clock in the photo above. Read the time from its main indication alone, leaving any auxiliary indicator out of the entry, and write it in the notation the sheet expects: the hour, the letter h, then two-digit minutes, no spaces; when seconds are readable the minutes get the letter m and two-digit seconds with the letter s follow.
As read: 8h10
